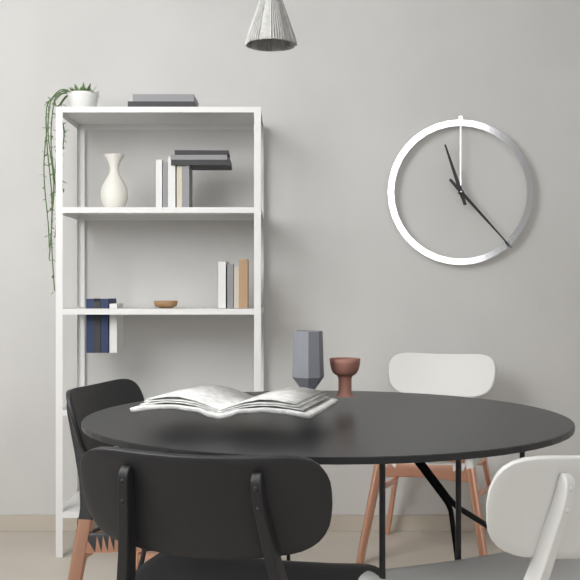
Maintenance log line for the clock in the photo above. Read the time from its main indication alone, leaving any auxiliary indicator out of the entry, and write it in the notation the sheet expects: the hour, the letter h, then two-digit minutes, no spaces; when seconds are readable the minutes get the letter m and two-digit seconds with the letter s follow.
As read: 11h23
